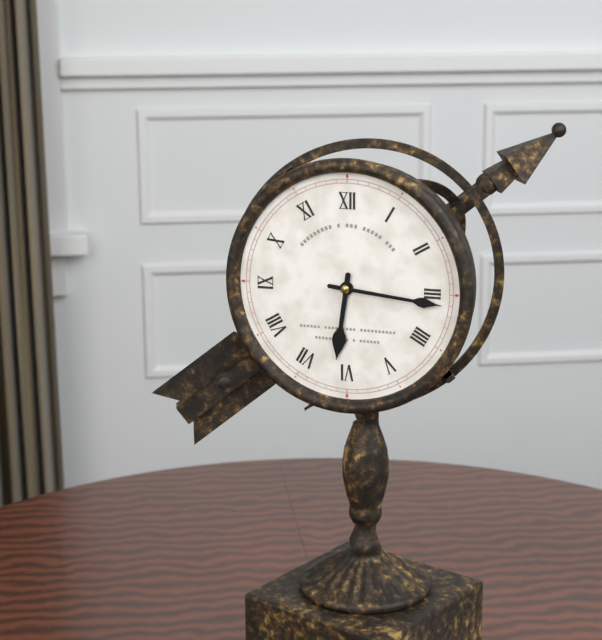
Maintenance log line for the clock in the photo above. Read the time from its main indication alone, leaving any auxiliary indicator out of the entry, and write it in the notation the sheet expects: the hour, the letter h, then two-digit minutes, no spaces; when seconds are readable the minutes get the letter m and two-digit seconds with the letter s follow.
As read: 6h16
